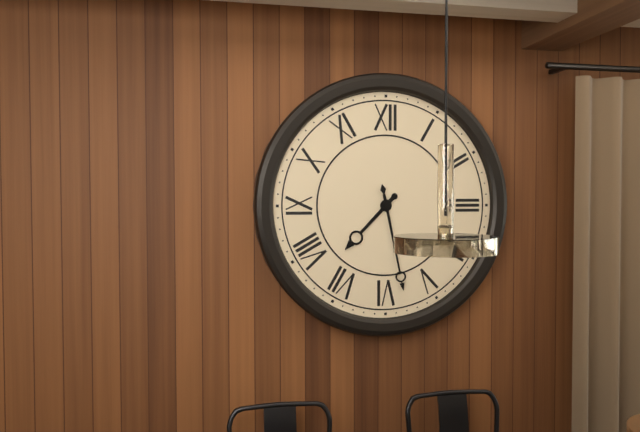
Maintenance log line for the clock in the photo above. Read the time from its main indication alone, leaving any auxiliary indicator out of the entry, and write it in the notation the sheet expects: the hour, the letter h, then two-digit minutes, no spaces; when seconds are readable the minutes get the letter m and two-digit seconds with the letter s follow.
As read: 7h28
